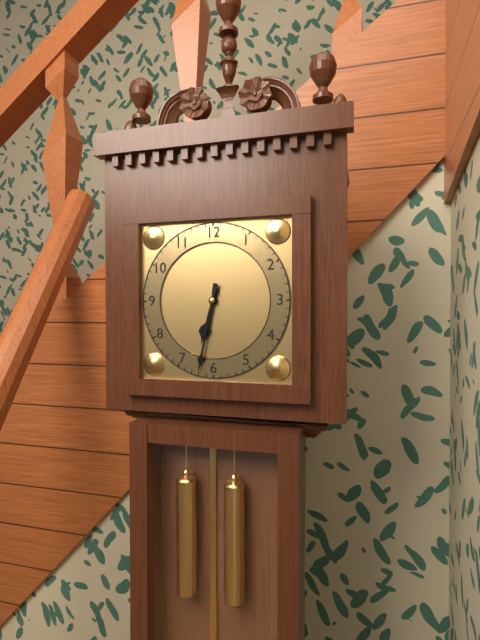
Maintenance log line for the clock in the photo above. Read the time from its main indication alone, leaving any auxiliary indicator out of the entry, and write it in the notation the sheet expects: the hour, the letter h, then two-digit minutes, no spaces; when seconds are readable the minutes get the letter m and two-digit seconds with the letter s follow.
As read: 6h32
